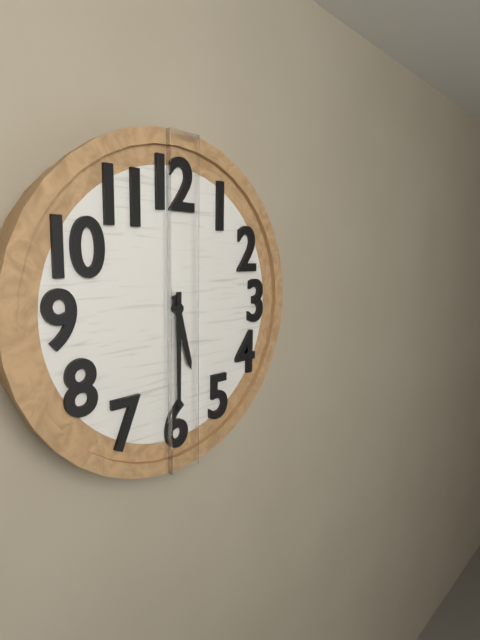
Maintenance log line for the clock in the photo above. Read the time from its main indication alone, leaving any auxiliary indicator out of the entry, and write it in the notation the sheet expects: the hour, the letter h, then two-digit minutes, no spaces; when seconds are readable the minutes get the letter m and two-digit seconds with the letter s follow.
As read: 5h30
